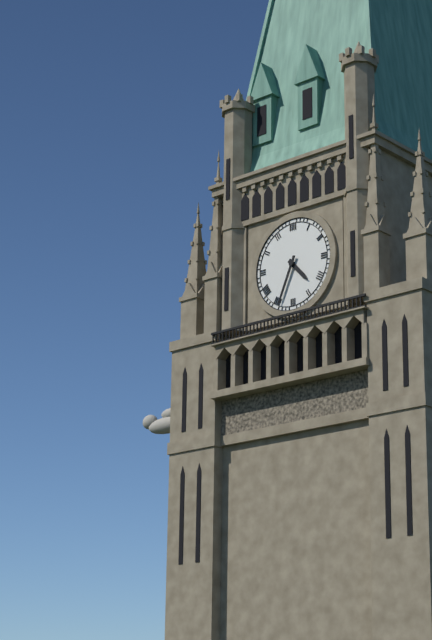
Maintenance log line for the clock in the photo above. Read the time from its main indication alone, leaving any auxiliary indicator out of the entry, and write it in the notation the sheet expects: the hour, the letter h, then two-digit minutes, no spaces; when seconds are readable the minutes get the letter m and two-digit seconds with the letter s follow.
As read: 4h34
